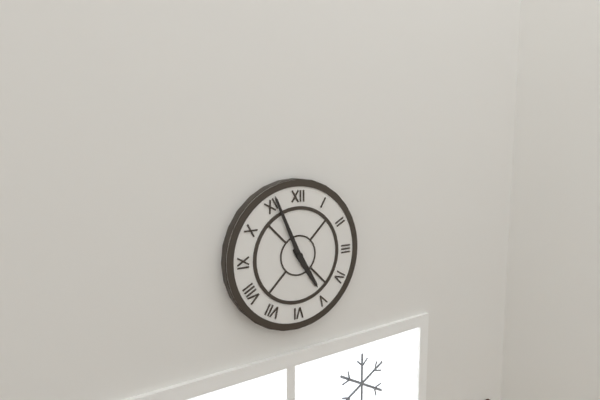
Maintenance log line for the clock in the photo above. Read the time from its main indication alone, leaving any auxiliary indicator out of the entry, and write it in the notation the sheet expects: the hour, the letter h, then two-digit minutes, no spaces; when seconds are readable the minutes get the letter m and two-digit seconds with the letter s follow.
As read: 4h56
